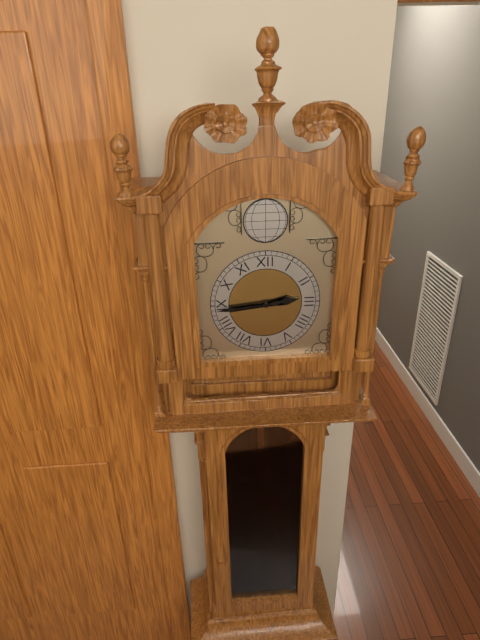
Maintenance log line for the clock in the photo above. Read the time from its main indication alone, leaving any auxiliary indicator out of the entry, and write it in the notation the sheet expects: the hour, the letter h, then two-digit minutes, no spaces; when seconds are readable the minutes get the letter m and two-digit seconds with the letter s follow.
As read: 2h44
